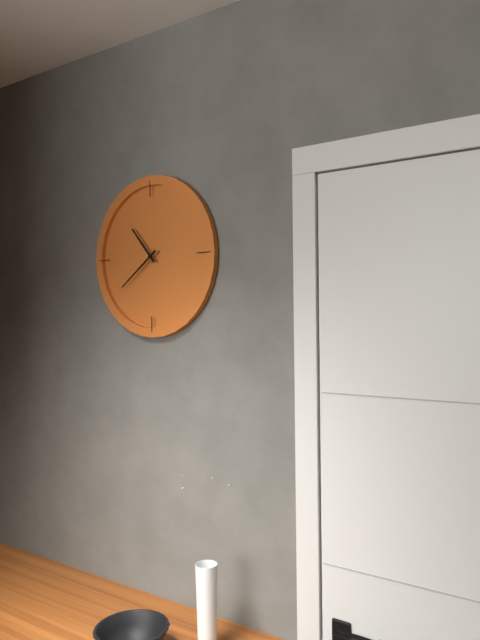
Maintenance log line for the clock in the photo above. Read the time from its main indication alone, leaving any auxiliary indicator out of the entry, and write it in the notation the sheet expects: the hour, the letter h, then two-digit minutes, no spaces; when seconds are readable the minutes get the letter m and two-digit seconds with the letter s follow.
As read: 10h39
